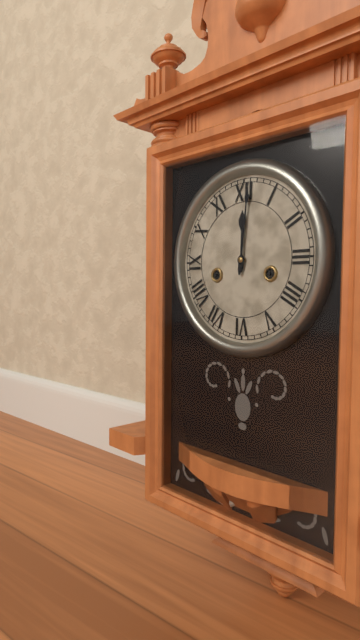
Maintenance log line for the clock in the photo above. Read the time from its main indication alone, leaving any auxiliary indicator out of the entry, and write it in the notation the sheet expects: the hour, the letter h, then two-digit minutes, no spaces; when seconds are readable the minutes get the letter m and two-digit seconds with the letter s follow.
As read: 12h01
